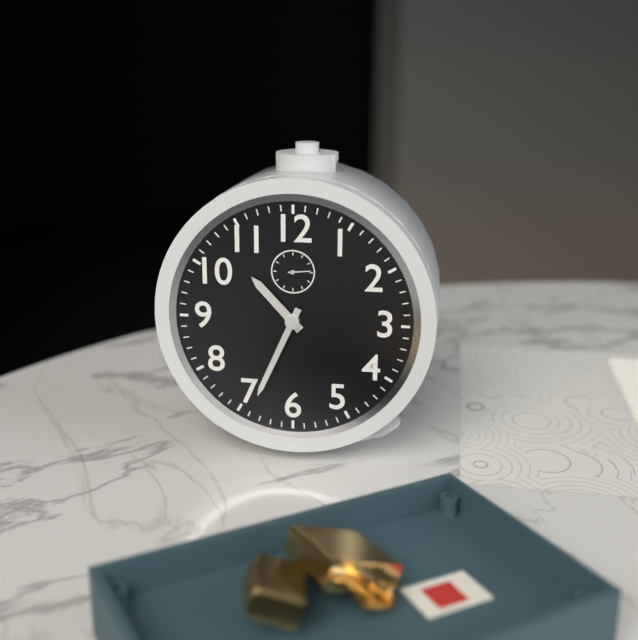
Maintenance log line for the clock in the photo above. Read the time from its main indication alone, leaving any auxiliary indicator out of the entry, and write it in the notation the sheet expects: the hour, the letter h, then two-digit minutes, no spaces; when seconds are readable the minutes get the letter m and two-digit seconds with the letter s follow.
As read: 10h34
